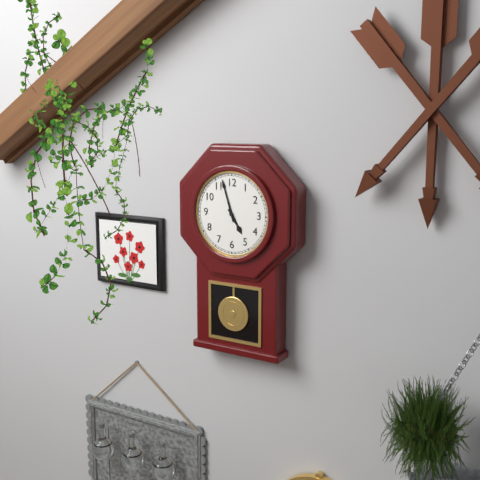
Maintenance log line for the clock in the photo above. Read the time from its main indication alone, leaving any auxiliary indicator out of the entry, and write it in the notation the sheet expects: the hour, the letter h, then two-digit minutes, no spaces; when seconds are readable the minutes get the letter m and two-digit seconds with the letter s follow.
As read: 4h57
